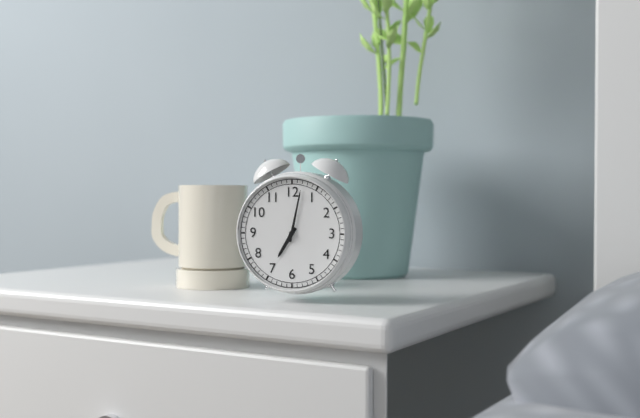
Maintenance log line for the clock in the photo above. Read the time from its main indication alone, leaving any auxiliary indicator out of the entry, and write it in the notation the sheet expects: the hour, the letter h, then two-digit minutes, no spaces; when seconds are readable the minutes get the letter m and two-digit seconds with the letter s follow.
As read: 7h02
